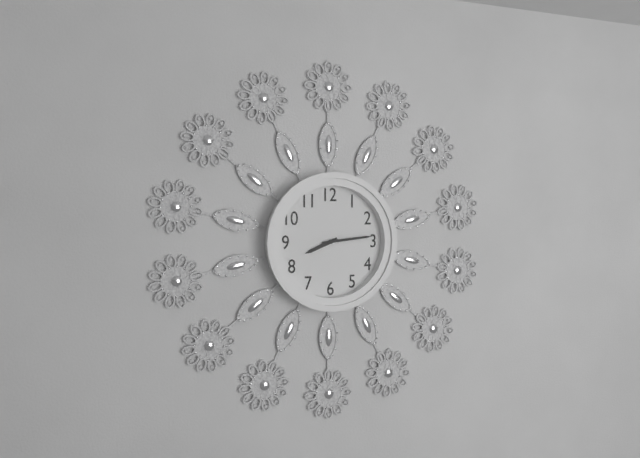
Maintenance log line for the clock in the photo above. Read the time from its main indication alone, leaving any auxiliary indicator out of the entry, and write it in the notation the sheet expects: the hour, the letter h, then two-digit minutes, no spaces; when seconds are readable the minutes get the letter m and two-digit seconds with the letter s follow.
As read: 8h14
